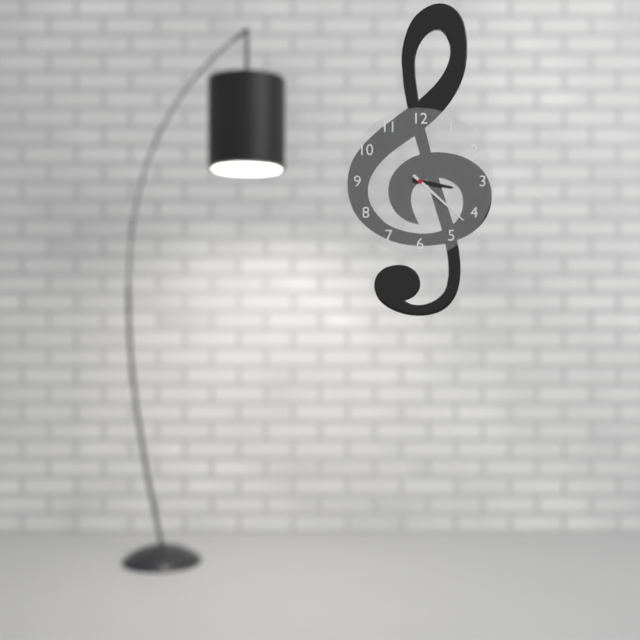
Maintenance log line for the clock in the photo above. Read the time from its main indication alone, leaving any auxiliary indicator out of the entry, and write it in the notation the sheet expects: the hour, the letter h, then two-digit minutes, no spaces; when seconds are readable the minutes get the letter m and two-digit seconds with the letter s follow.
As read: 3h22
